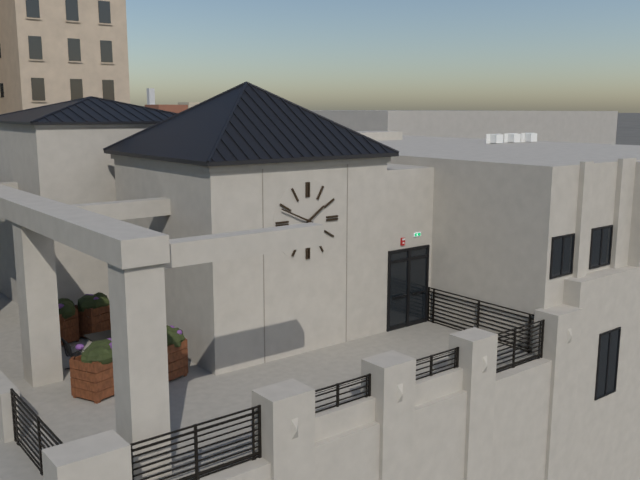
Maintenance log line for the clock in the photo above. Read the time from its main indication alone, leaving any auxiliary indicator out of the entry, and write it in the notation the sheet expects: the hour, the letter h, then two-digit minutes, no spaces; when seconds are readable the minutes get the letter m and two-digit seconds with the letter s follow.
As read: 1h49
